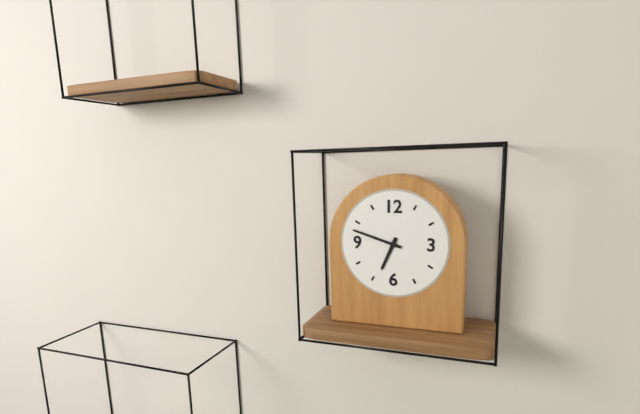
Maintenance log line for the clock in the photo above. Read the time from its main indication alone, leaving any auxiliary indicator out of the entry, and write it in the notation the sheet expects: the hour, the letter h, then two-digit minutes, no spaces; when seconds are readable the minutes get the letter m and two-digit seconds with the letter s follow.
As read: 6h48
